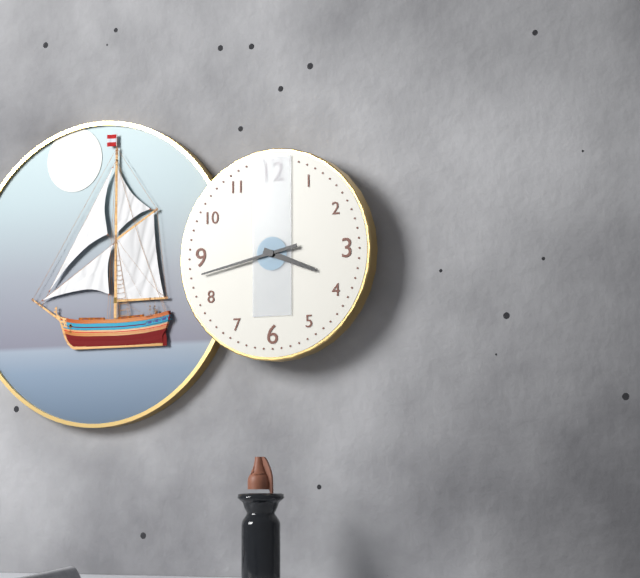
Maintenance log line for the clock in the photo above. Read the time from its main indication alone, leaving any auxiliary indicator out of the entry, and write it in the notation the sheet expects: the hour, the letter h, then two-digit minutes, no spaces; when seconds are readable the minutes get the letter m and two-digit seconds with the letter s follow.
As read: 3h43
